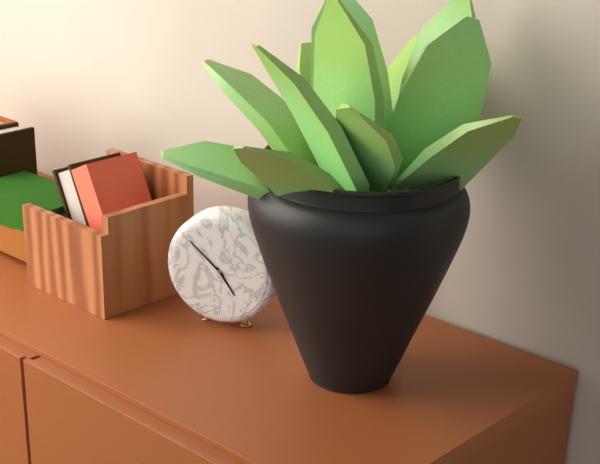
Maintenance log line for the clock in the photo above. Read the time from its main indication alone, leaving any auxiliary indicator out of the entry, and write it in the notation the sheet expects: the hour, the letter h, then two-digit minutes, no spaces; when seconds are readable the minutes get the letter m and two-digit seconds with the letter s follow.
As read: 4h52
